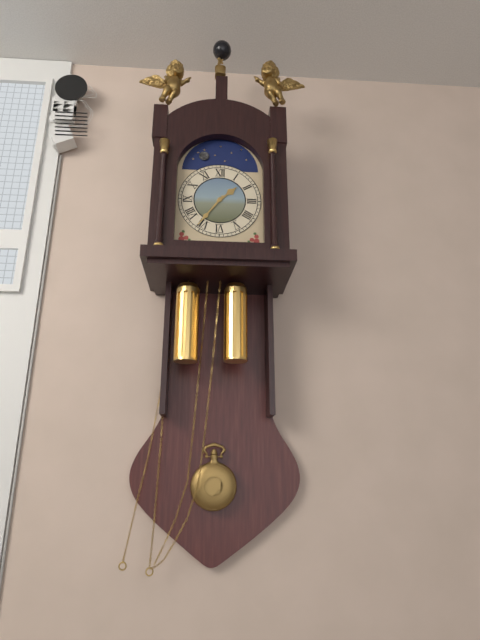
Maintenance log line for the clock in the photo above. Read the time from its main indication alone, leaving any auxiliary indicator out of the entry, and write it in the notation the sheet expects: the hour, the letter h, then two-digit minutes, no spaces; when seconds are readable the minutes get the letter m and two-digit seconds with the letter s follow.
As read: 1h36
